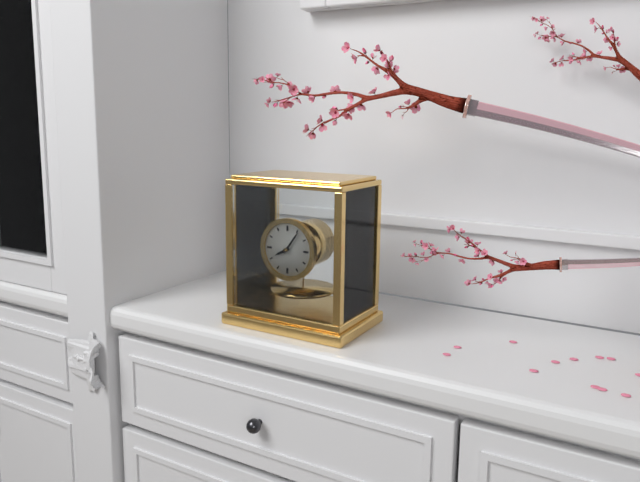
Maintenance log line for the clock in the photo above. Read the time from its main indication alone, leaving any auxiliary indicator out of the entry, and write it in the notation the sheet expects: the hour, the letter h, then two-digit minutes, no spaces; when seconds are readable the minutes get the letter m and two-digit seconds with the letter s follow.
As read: 8h06
